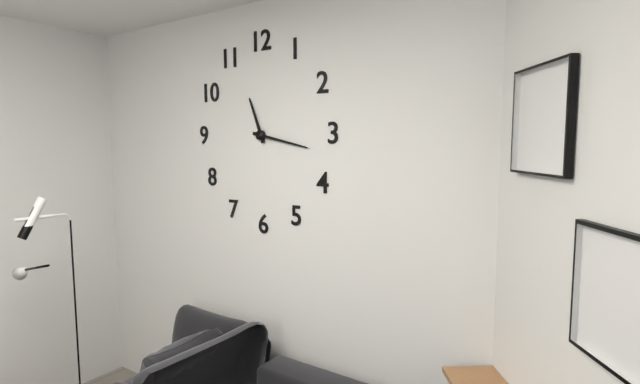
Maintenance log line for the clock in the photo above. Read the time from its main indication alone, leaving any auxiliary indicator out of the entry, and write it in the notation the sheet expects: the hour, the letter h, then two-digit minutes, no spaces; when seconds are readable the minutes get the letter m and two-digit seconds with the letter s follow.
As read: 11h17
